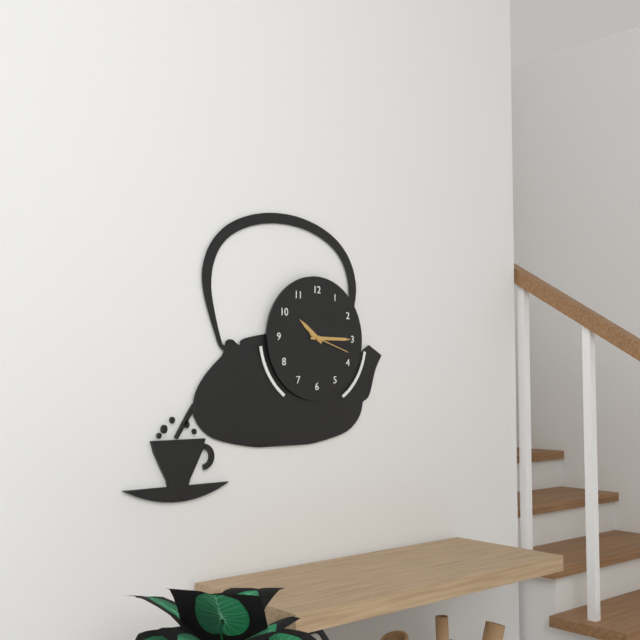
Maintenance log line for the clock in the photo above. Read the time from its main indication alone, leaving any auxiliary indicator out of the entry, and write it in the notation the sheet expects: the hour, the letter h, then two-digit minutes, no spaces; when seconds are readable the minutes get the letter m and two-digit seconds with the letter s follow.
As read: 10h15
